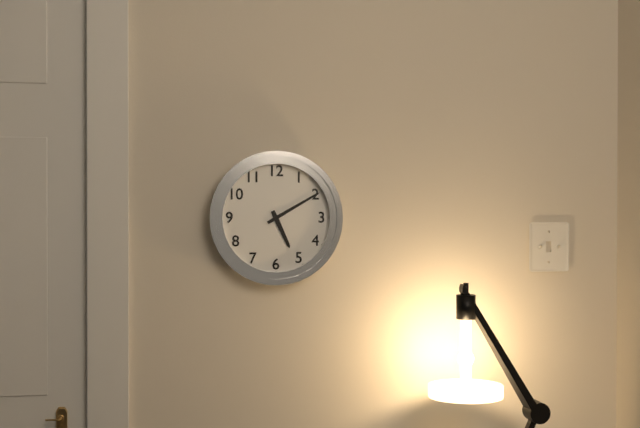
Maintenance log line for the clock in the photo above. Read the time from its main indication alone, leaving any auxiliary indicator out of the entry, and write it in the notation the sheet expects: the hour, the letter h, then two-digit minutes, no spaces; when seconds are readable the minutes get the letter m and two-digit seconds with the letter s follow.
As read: 5h10
